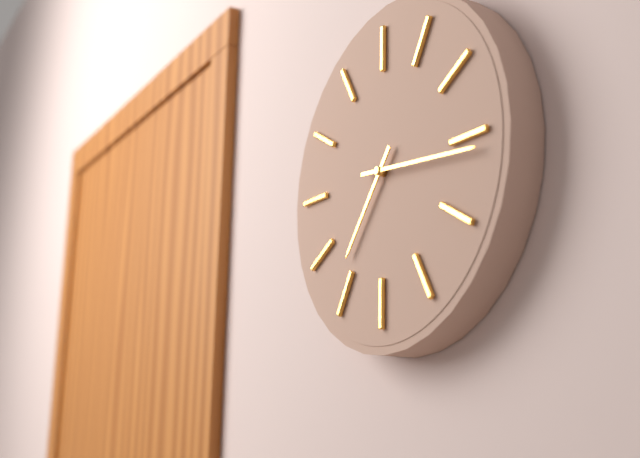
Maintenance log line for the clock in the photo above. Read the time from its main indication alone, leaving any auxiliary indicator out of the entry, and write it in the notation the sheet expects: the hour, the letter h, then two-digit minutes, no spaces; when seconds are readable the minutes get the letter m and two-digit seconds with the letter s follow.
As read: 7h16
